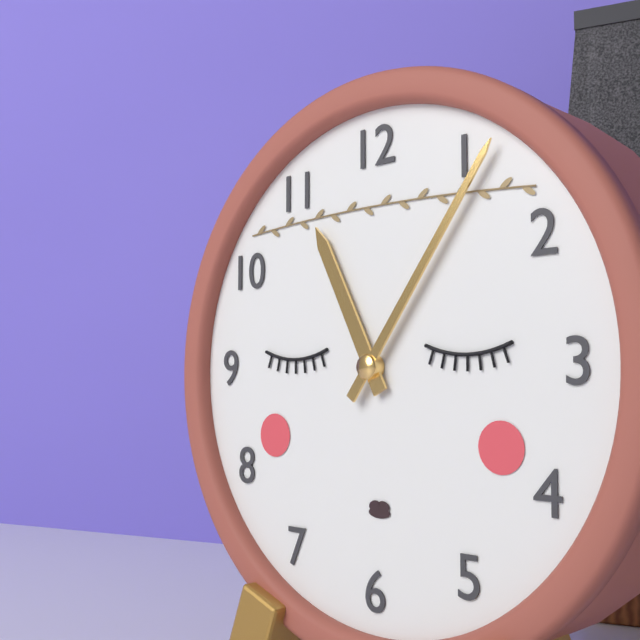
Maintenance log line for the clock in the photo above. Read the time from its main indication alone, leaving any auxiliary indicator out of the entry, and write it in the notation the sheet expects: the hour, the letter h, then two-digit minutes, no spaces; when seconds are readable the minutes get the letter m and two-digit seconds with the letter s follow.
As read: 11h06
